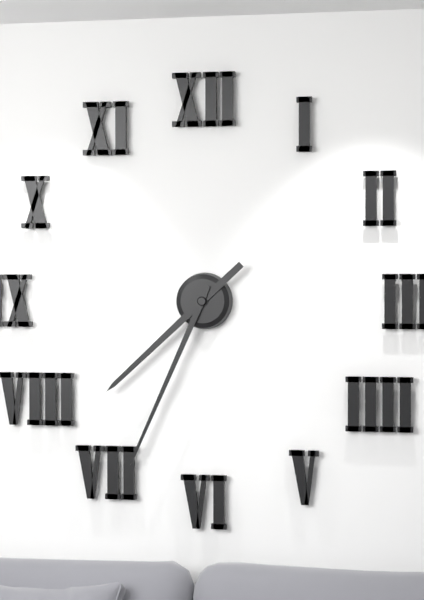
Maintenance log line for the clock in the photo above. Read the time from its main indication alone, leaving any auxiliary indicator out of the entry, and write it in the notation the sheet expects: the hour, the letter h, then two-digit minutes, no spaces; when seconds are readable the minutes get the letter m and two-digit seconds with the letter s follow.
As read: 7h34
